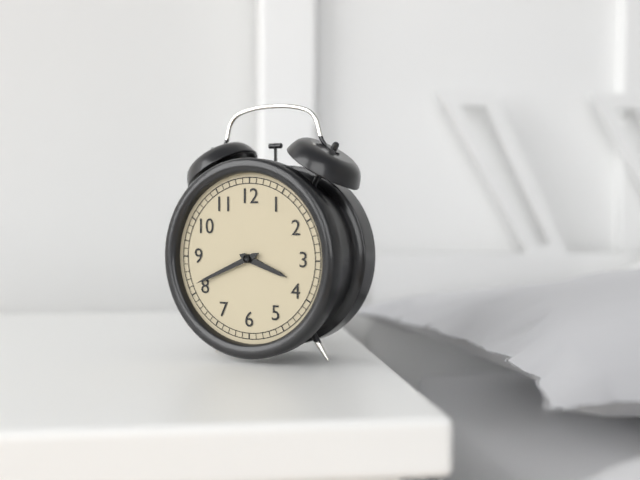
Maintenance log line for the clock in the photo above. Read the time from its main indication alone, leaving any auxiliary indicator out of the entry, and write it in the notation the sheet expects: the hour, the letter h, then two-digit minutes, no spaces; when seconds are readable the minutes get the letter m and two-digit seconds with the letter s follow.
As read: 3h41
